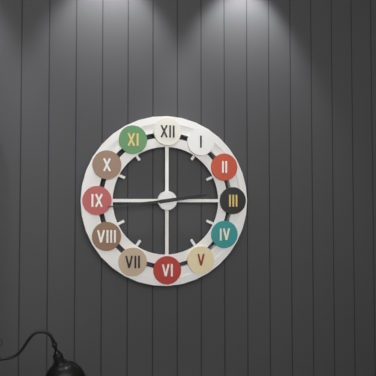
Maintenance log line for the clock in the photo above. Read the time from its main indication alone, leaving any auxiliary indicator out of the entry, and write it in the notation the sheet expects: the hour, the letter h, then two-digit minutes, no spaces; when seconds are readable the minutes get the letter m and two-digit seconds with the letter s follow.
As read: 2h44
